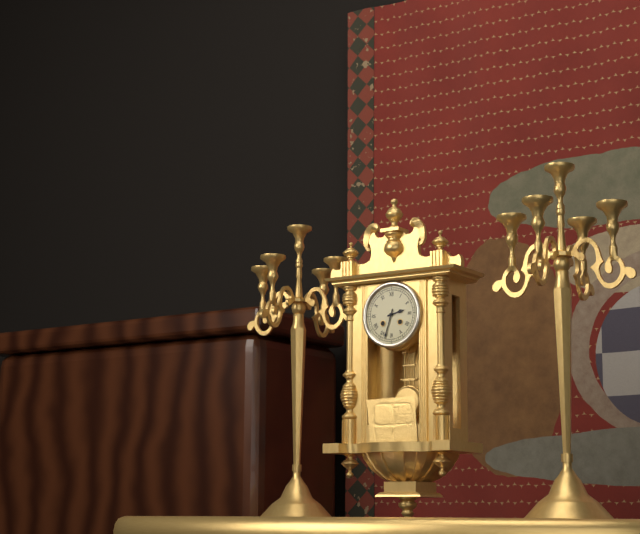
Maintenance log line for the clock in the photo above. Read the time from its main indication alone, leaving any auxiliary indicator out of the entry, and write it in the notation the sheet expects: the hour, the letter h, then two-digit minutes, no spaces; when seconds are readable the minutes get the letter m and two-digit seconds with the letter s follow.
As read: 2h33
